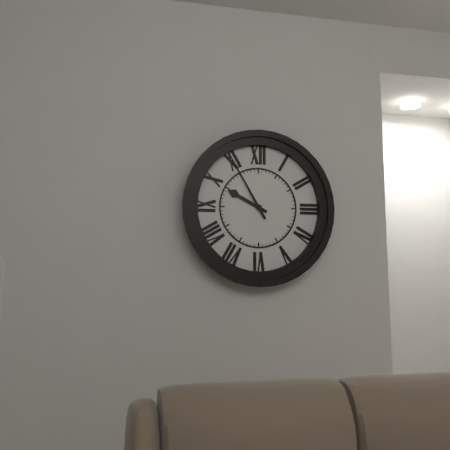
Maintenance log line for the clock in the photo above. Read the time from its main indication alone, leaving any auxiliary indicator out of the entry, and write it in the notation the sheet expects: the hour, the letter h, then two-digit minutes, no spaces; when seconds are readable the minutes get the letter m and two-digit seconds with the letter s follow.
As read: 9h55
